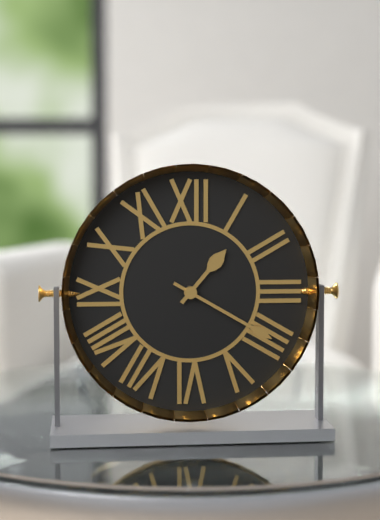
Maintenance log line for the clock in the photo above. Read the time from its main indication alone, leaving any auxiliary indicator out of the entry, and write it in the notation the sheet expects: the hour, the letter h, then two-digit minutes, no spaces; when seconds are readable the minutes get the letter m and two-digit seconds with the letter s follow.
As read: 1h20
